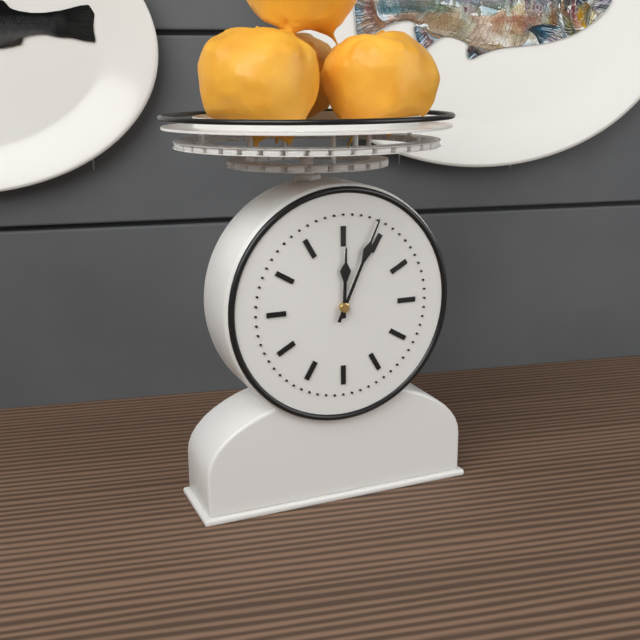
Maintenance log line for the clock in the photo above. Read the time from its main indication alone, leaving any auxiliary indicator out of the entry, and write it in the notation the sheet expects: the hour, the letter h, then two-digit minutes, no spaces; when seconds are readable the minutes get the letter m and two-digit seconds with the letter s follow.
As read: 12h04
